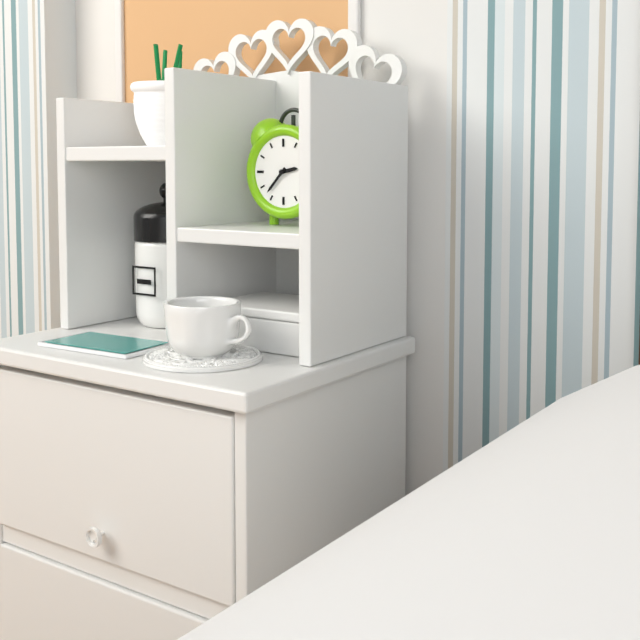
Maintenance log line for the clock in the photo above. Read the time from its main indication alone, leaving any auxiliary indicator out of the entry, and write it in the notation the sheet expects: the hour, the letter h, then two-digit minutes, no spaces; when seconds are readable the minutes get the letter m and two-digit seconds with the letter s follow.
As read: 2h37
